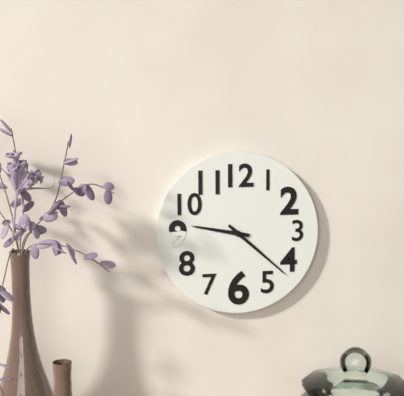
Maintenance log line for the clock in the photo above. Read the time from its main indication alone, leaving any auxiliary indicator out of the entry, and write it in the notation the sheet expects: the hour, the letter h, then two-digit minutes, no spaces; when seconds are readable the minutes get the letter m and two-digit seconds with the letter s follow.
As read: 9h22
